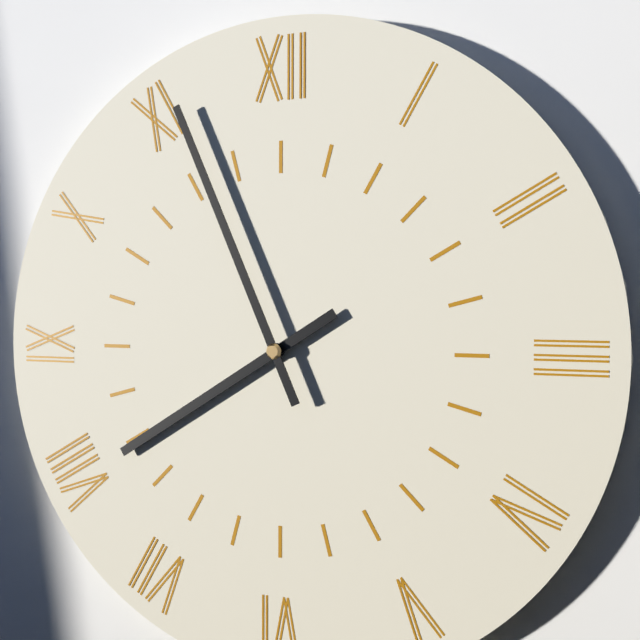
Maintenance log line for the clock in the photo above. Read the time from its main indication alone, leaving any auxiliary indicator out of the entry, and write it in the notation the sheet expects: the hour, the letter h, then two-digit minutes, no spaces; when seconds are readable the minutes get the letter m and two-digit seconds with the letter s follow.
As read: 7h56
